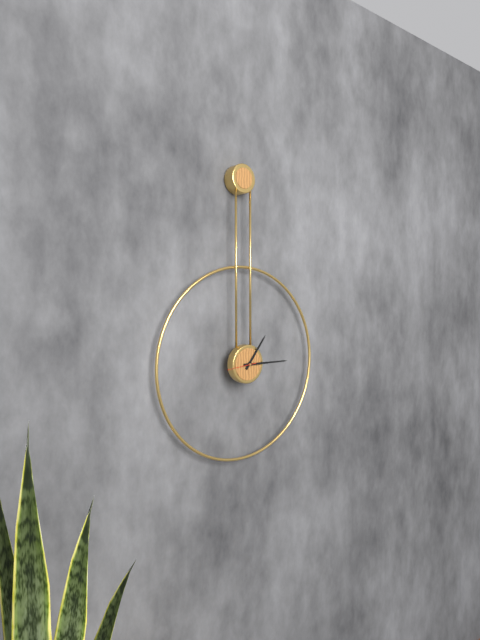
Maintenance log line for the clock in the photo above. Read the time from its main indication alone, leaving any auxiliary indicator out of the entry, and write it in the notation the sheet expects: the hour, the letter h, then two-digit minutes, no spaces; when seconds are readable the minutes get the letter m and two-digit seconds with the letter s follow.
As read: 1h15
